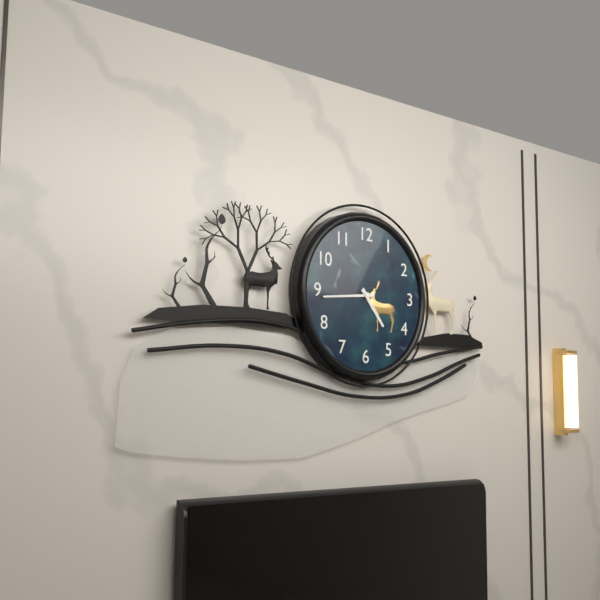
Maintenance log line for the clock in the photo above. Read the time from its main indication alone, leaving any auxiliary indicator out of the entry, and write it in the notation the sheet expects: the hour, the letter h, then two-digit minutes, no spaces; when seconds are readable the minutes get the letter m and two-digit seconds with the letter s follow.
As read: 4h44
